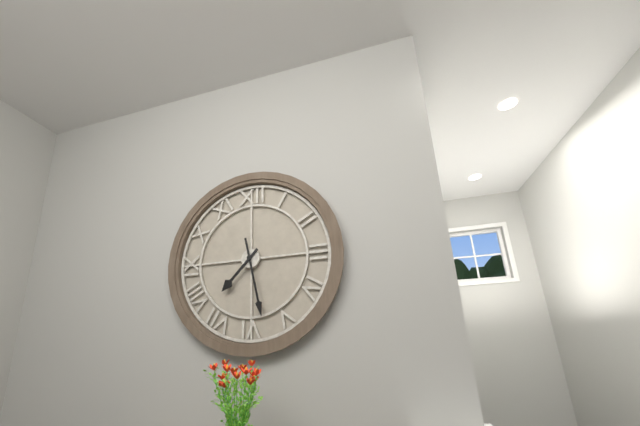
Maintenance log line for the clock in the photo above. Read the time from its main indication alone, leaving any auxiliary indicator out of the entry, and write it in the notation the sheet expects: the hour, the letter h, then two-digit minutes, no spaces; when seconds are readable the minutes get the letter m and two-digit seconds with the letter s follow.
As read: 7h28
